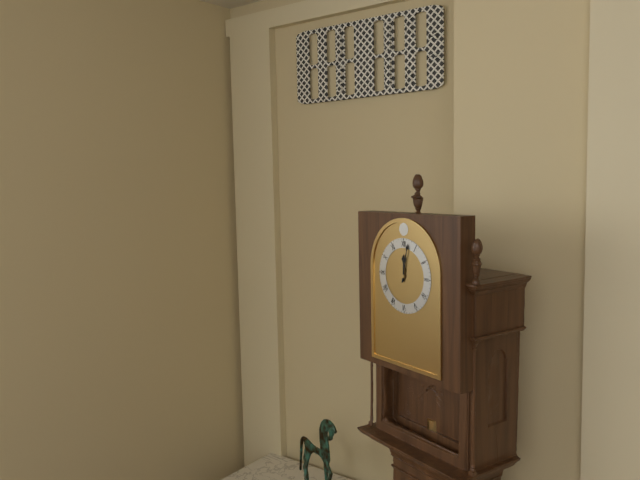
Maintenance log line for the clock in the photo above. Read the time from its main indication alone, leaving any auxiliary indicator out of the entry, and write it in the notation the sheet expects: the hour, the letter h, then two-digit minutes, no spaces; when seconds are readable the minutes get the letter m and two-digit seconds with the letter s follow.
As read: 12h02
